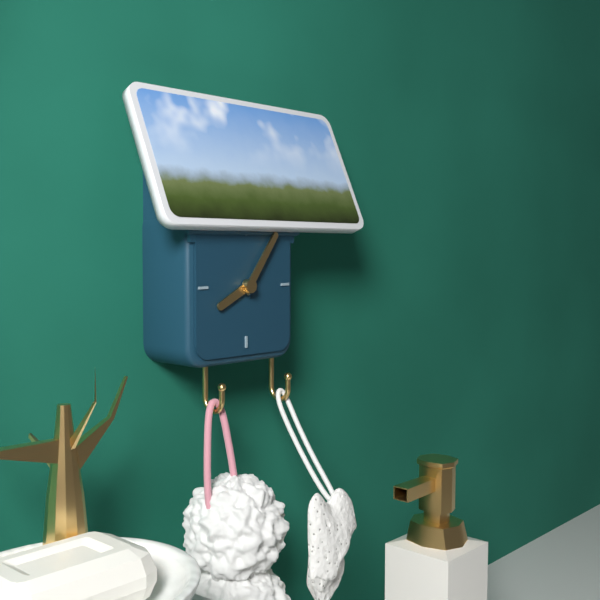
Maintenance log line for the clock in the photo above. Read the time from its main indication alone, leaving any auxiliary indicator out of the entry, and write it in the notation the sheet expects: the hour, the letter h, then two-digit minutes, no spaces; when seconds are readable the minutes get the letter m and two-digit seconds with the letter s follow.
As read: 8h06
